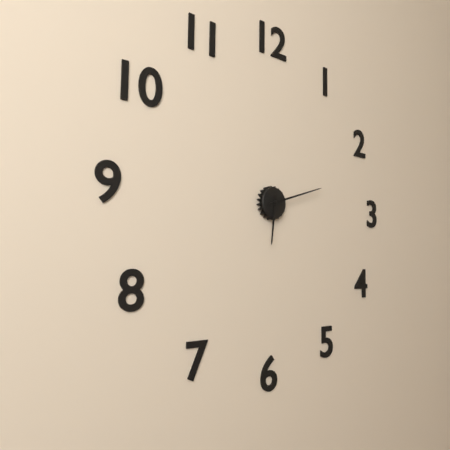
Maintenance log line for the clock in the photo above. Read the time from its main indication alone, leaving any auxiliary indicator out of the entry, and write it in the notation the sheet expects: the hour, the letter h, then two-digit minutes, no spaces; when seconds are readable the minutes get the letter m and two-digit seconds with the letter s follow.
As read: 6h12
